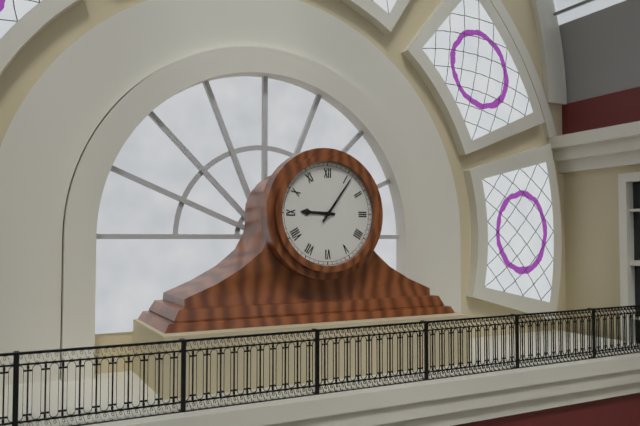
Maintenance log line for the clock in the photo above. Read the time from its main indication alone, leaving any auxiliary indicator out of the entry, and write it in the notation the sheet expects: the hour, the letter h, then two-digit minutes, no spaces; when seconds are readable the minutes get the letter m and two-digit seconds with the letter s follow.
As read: 9h06
